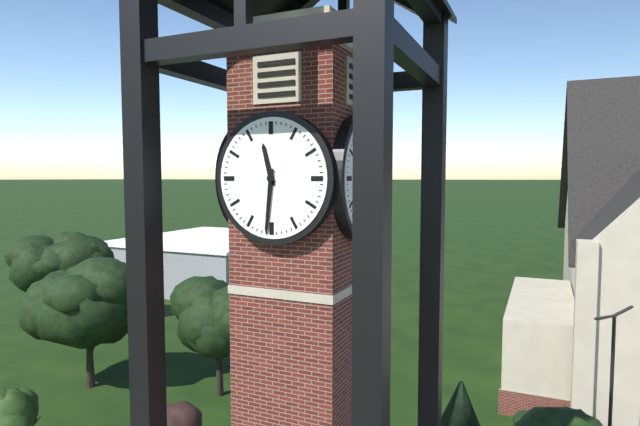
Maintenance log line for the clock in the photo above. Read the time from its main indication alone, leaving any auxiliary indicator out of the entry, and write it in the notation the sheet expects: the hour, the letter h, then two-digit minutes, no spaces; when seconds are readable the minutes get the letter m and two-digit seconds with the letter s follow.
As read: 11h31
